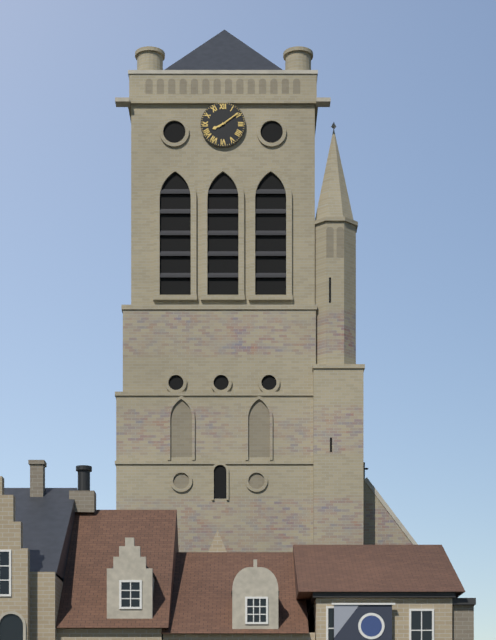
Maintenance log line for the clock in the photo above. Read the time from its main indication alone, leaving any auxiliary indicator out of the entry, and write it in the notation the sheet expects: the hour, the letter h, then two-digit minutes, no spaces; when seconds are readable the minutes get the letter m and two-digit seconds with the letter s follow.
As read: 8h09
